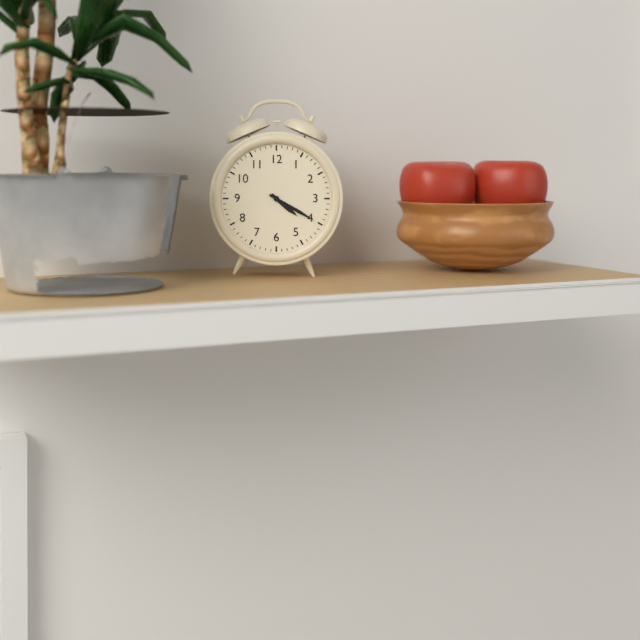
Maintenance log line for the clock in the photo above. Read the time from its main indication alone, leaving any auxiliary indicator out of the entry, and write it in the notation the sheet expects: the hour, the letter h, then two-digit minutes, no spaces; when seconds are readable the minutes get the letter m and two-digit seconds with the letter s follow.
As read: 4h20
